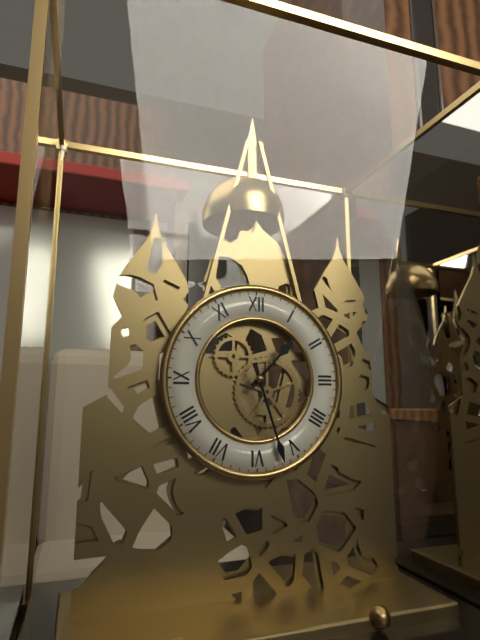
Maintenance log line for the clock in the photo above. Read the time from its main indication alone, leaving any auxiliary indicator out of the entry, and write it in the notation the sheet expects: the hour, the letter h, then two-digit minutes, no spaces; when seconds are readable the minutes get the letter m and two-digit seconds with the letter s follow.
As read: 1h27
